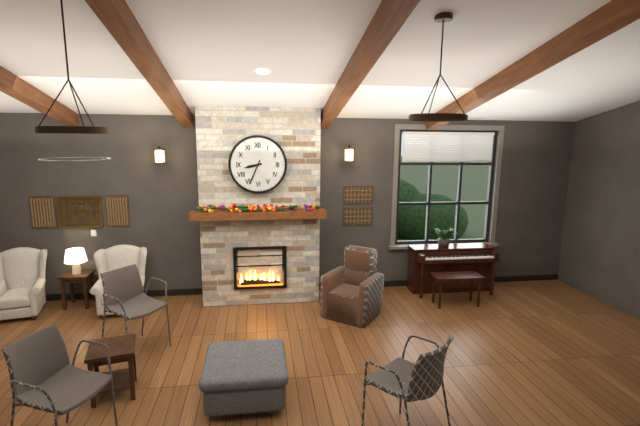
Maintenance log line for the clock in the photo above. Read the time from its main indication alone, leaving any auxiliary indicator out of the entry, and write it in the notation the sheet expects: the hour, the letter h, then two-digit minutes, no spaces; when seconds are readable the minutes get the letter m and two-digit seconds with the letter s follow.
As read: 8h34
